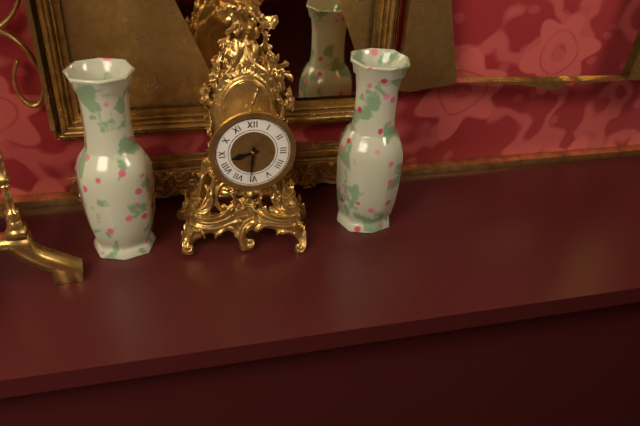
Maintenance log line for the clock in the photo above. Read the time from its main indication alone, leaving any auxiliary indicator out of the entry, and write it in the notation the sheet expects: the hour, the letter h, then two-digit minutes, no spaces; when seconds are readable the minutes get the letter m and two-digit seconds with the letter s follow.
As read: 8h31
